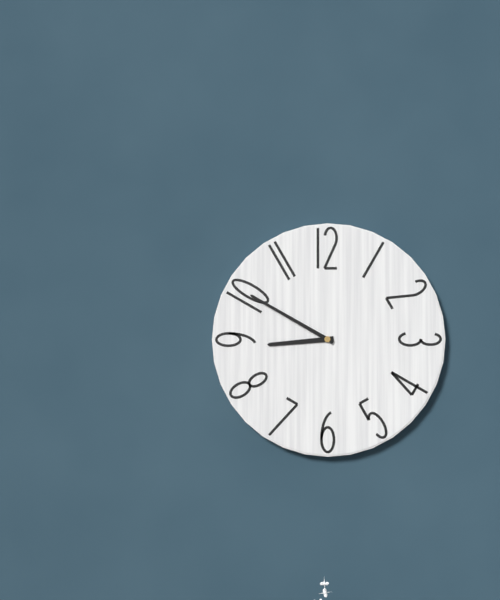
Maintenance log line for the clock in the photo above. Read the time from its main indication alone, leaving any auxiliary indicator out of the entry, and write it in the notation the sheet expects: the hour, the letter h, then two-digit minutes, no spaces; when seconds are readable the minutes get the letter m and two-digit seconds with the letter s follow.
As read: 8h50
